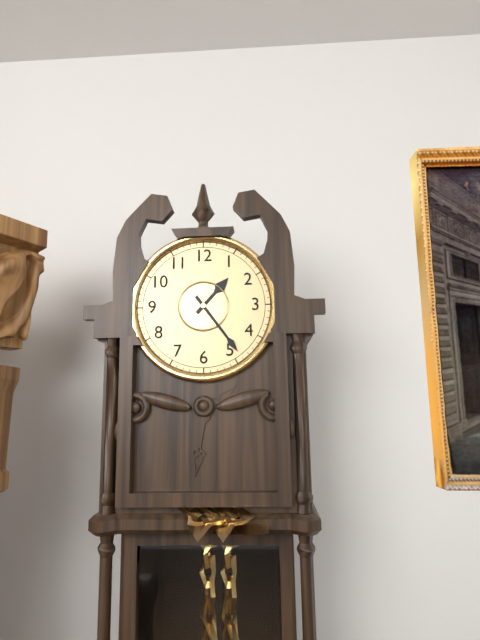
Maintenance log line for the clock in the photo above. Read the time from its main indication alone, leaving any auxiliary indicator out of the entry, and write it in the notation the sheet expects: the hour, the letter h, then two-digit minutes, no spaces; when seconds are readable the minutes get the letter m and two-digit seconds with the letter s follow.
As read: 1h24
